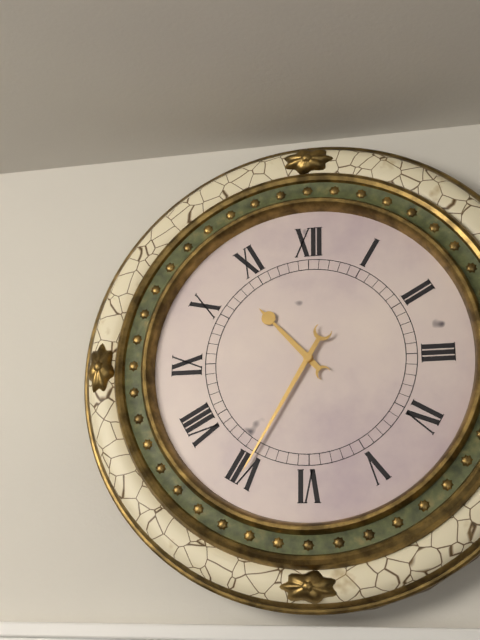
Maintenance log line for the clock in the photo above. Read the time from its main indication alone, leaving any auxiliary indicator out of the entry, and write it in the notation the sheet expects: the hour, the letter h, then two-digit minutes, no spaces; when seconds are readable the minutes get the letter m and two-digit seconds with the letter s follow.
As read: 10h35
